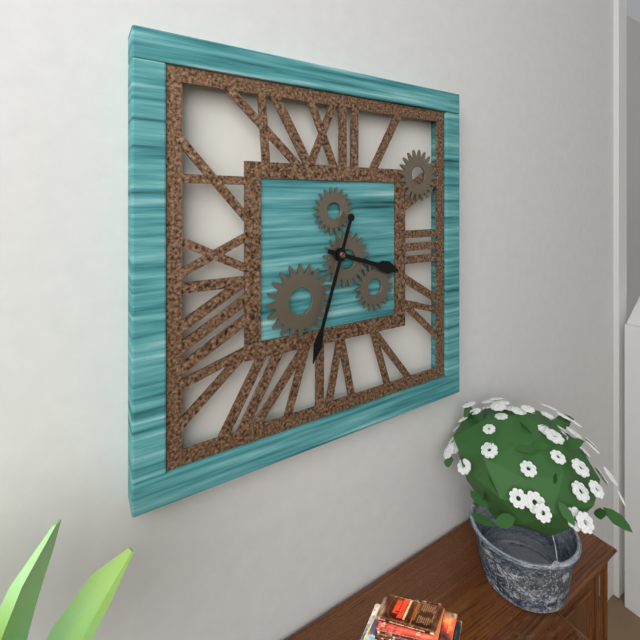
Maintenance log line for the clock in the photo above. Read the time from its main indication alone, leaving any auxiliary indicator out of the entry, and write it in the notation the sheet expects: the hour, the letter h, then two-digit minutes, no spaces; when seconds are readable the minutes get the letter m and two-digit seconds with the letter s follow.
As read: 3h33
